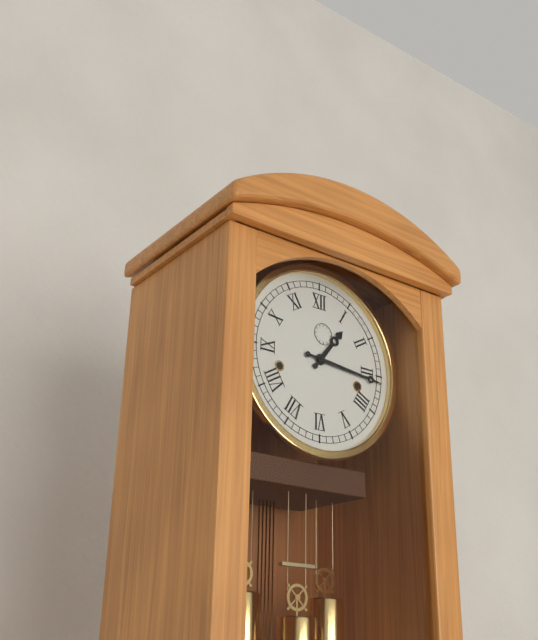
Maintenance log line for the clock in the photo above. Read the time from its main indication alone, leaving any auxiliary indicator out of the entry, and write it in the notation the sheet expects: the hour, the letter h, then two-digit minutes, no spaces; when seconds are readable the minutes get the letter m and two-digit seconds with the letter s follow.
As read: 1h16
